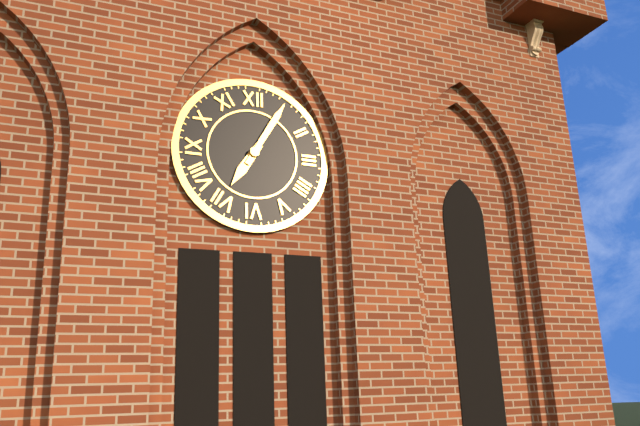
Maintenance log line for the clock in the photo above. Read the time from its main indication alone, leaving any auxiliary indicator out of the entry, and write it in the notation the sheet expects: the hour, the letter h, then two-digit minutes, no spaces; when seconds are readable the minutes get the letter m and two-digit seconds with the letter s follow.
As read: 7h05
